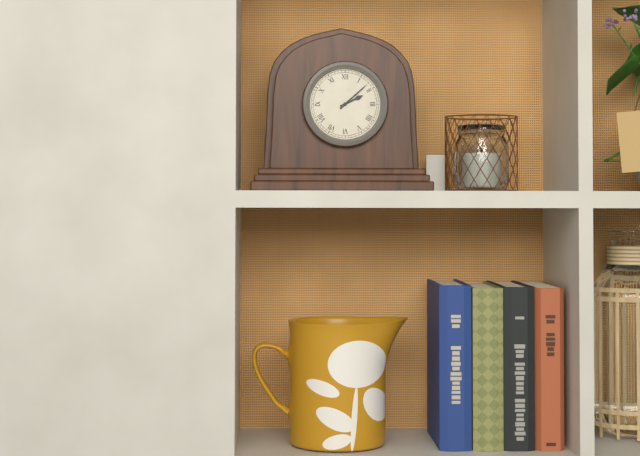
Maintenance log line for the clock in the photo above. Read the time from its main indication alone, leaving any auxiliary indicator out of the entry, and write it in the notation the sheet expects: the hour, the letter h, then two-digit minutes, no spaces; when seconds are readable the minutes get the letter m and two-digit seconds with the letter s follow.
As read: 2h08
